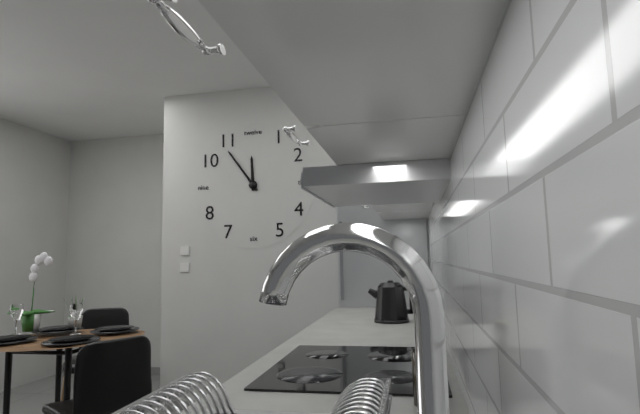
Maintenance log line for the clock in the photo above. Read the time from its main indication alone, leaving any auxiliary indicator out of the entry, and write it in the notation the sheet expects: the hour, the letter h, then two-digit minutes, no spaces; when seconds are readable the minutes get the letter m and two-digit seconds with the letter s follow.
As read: 11h54
